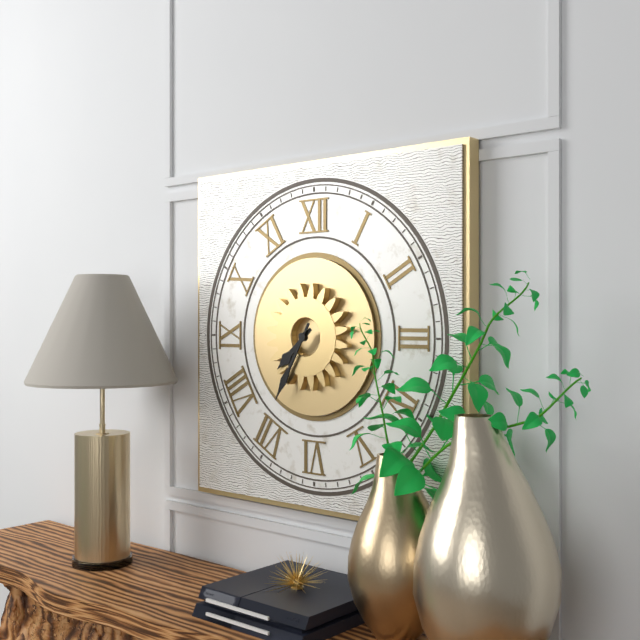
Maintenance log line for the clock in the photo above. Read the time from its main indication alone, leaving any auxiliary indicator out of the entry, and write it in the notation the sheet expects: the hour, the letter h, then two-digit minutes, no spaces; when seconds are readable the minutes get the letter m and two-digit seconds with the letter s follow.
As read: 7h35
